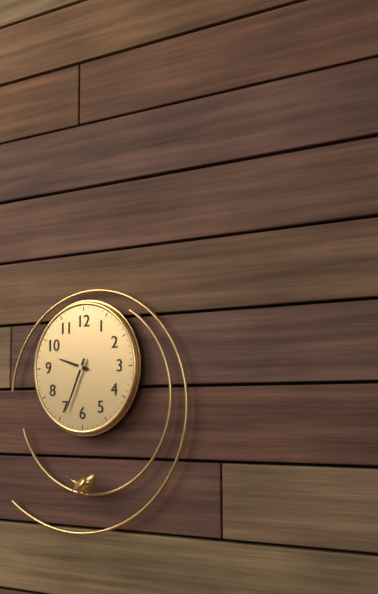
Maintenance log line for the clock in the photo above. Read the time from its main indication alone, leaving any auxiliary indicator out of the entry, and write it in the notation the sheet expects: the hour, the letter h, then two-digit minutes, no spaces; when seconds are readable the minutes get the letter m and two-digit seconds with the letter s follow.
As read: 9h34
